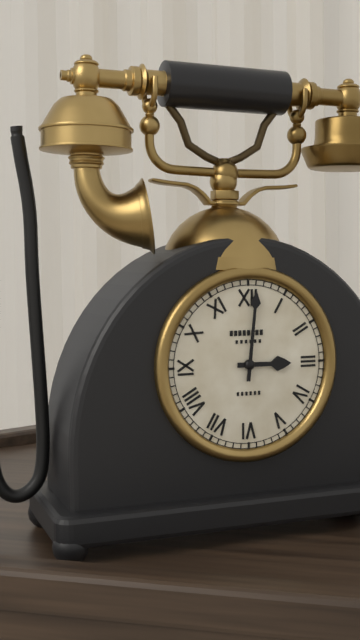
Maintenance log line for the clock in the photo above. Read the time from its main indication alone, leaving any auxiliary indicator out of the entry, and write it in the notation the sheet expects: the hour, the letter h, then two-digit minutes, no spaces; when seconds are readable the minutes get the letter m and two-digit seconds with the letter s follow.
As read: 3h01
